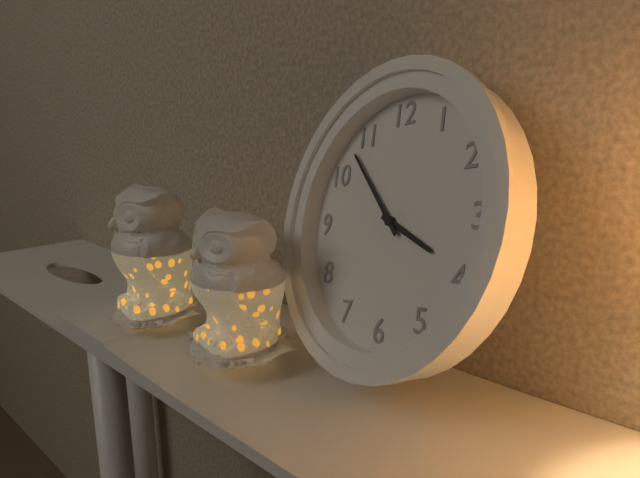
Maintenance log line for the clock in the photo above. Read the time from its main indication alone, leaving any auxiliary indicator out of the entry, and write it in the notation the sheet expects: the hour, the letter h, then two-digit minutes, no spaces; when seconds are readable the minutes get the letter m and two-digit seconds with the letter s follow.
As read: 3h53
